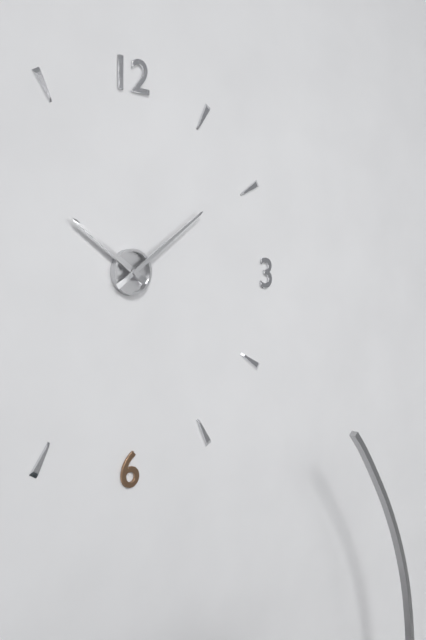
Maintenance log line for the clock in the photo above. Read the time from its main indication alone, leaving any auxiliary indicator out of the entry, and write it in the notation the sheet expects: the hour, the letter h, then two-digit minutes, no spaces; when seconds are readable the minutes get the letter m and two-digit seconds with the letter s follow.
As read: 10h09
